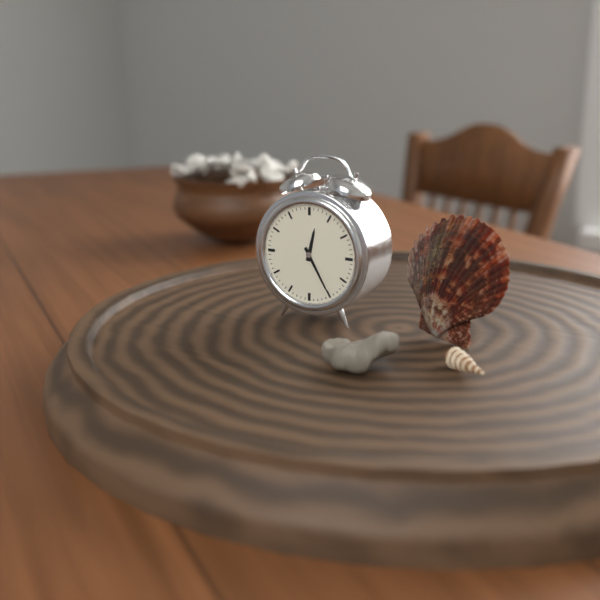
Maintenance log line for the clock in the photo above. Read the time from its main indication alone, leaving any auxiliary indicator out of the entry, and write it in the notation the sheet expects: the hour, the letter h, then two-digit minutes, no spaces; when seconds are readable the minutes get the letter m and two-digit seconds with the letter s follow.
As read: 12h25
